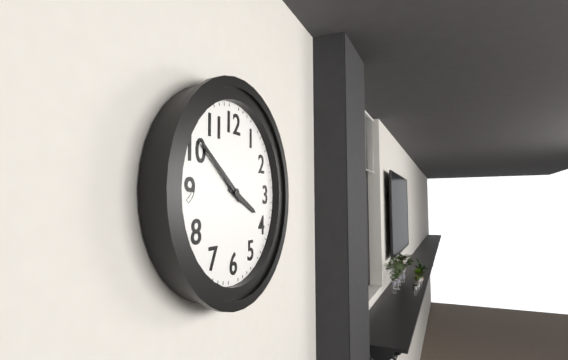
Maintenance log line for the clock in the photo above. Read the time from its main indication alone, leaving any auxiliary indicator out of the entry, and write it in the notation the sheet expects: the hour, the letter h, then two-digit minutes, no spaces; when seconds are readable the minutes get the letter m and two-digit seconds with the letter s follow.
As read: 3h51
